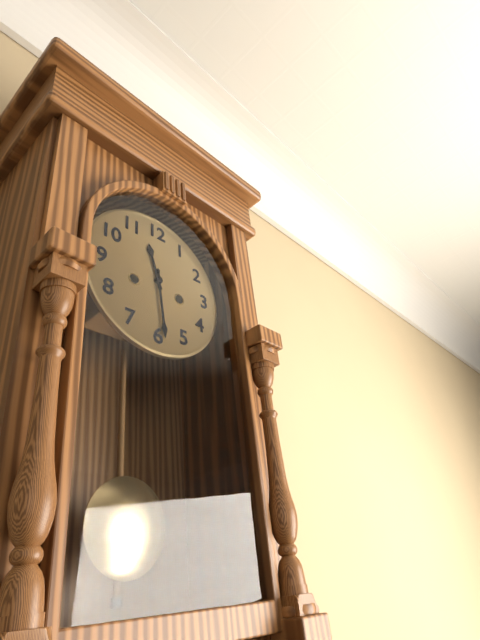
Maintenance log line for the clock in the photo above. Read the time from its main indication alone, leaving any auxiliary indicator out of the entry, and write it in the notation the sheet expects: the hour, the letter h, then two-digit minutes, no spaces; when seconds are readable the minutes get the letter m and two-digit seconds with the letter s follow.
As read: 11h29
